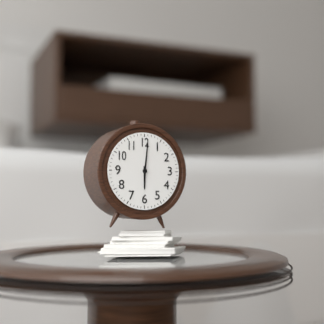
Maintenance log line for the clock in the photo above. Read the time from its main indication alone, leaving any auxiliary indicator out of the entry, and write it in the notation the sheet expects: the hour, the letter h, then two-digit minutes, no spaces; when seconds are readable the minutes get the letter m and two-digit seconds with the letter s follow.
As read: 6h01
